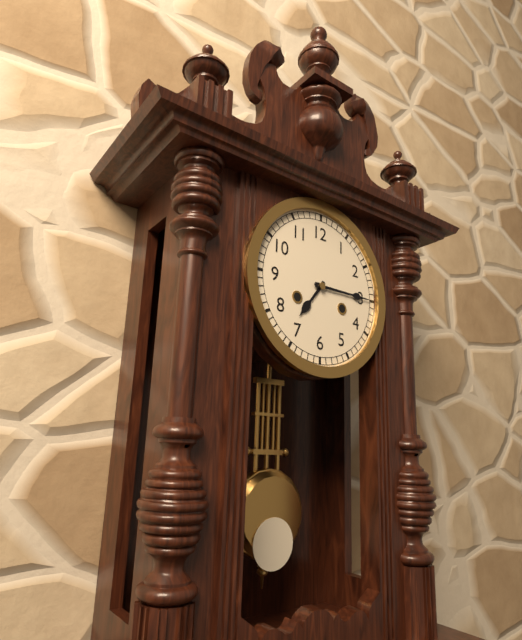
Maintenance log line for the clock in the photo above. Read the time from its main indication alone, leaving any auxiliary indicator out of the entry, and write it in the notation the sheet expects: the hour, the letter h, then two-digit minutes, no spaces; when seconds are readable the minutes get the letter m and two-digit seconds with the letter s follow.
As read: 7h15
